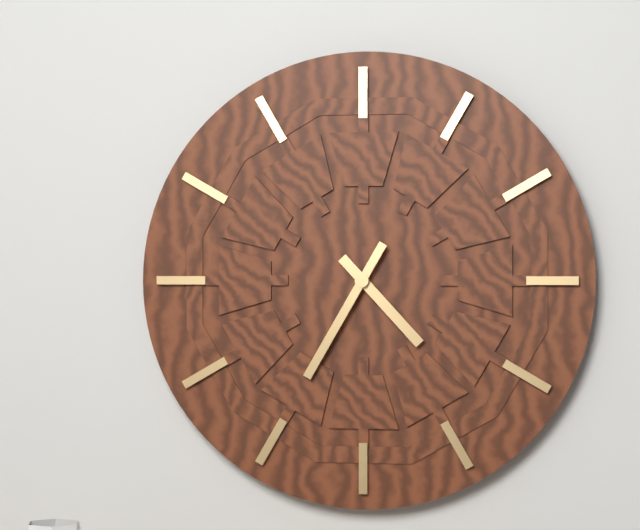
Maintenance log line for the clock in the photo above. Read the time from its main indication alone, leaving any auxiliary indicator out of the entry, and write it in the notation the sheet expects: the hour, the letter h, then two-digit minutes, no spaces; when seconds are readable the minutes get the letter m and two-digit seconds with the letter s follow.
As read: 4h35
